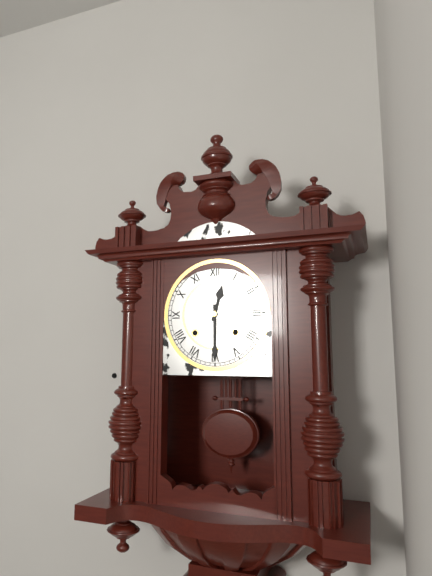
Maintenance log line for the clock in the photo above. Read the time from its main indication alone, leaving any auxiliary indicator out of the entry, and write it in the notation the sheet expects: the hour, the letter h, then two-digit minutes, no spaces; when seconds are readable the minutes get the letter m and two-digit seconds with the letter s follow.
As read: 12h30
